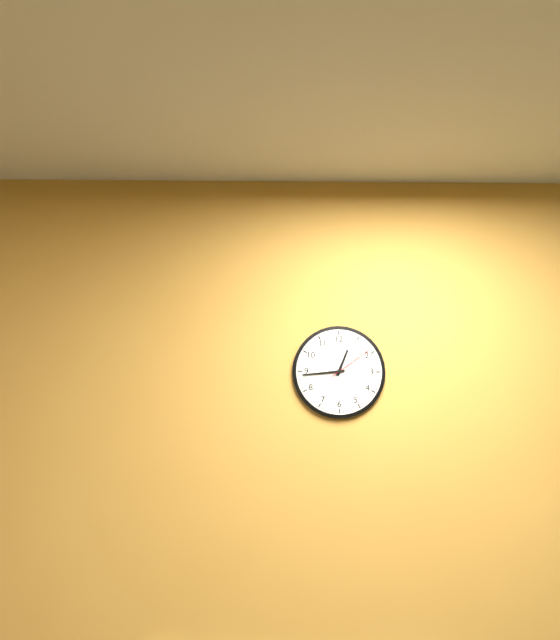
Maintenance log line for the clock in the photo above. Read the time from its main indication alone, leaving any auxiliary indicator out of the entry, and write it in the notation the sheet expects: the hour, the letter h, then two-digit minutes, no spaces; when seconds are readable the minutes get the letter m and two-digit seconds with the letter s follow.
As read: 12h44
